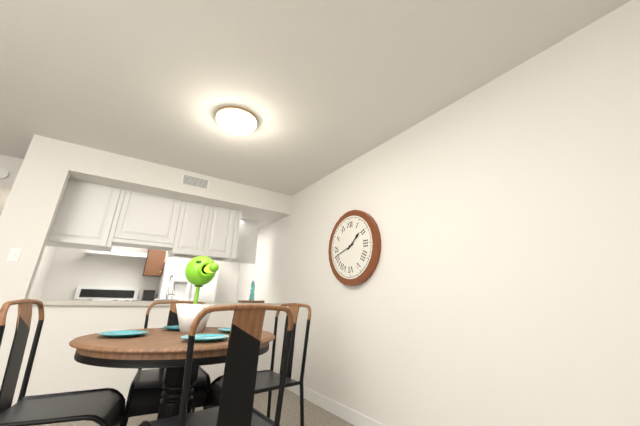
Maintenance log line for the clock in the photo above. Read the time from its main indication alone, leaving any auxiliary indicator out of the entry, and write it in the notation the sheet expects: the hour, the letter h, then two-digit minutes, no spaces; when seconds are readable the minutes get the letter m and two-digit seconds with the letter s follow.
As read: 1h42
